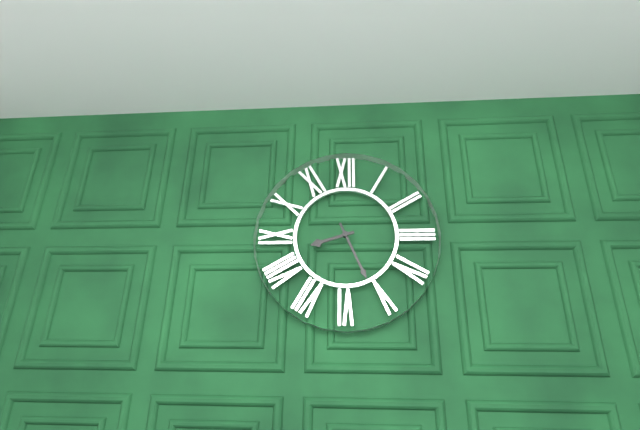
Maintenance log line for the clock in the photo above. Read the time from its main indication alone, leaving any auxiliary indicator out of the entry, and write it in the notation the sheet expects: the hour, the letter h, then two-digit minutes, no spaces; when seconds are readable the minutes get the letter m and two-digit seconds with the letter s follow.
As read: 8h26
